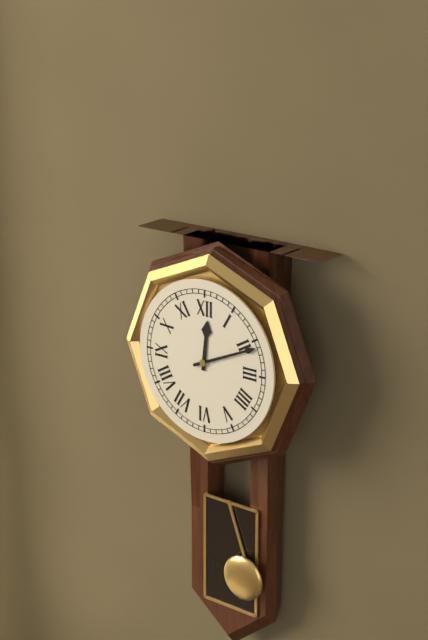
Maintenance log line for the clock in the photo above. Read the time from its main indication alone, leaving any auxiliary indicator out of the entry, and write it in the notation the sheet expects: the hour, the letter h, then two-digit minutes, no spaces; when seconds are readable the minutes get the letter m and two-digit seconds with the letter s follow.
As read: 12h11
